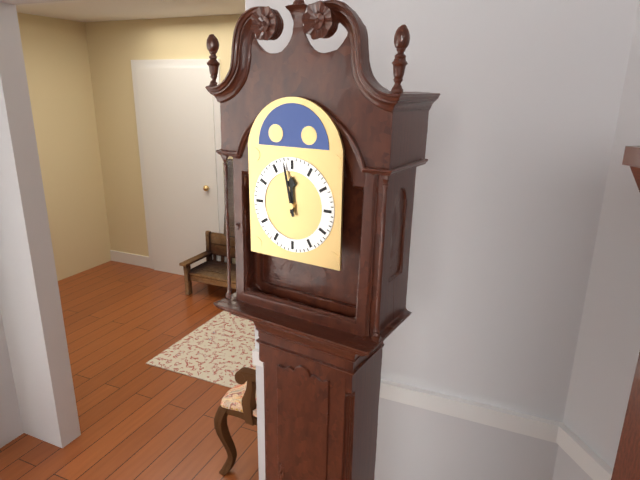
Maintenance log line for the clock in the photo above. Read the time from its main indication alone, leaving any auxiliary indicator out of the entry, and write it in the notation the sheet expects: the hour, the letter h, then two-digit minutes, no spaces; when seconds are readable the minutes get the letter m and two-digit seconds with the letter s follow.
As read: 11h58
